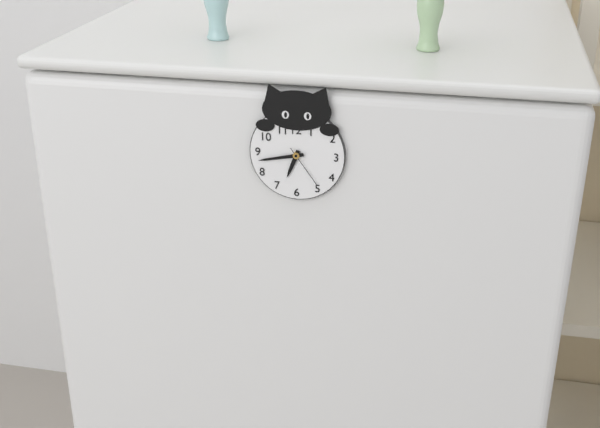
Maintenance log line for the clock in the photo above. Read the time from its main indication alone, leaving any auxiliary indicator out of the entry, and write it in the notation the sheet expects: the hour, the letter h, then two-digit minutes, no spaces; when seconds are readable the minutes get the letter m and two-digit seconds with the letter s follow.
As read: 6h43
